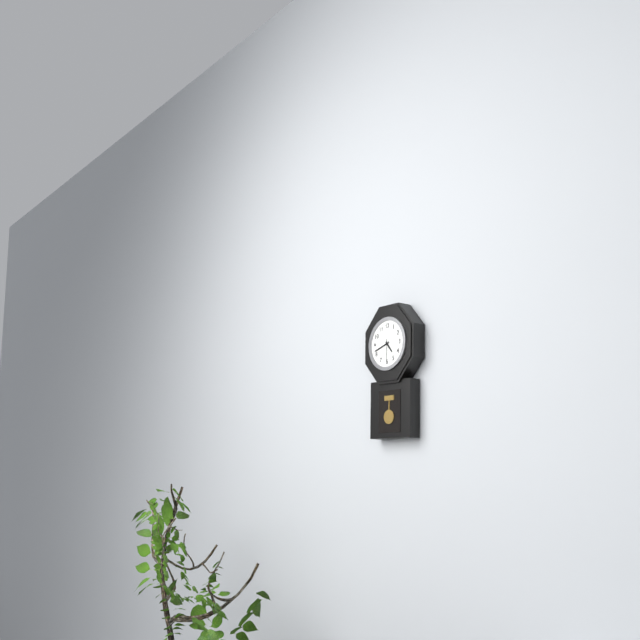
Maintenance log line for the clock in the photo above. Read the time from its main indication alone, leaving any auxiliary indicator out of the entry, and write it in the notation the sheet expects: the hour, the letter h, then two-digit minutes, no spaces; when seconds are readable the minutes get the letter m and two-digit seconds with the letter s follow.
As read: 4h42
